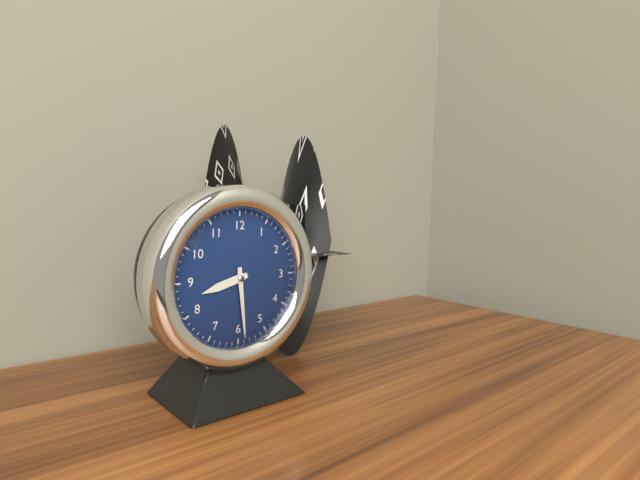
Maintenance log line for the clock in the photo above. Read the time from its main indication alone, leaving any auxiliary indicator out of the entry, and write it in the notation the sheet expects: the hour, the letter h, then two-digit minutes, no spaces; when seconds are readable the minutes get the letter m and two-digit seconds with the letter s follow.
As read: 8h29
